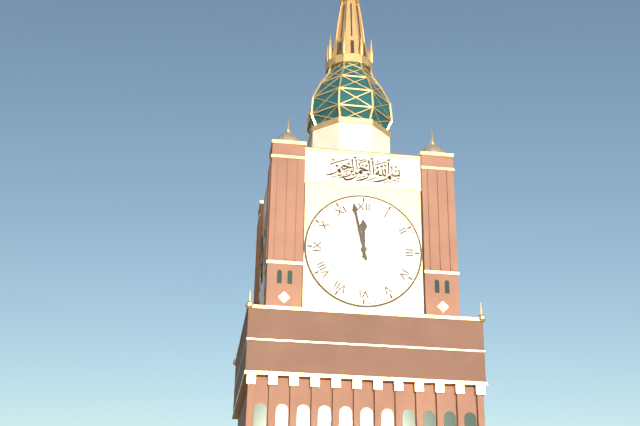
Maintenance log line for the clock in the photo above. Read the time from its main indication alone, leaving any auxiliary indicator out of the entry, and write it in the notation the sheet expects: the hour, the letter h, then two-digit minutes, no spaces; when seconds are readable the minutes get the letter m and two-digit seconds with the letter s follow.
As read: 11h58
